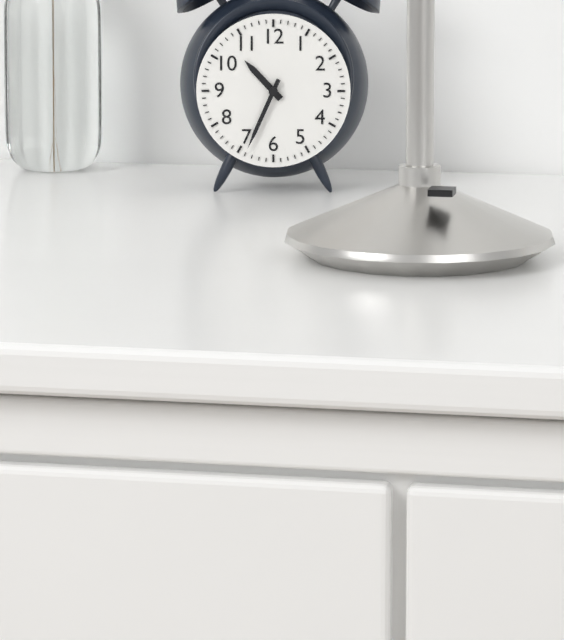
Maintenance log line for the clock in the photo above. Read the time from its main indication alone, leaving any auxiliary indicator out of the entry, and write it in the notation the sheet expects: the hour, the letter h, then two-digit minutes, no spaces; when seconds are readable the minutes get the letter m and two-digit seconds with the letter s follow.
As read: 10h34
